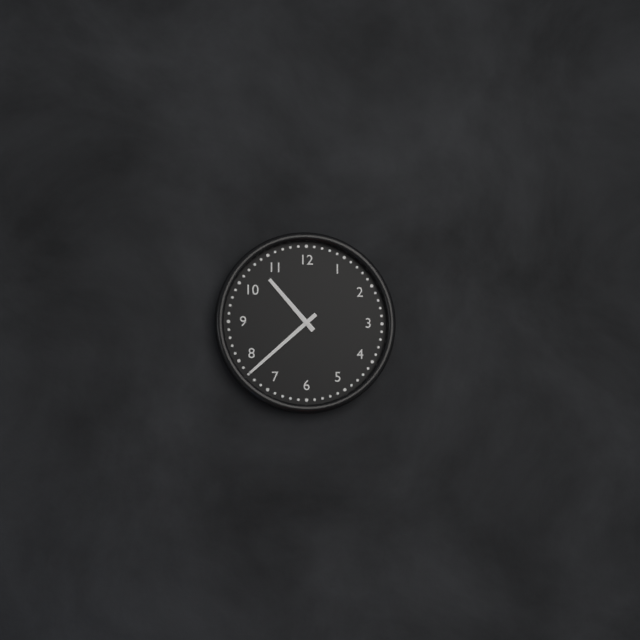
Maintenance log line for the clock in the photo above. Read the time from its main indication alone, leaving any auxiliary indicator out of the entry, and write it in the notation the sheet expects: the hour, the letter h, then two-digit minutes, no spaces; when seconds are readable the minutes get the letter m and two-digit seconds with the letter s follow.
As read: 10h38
